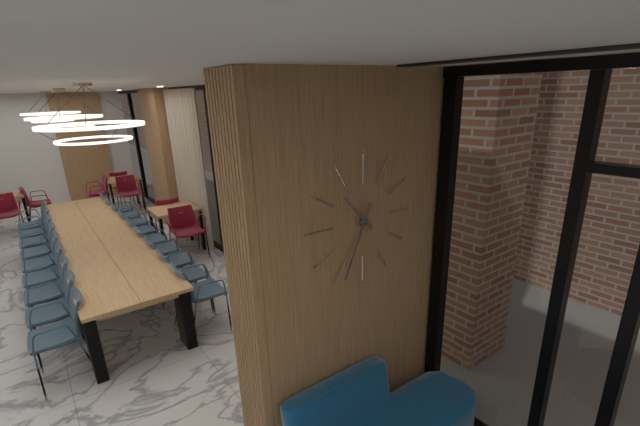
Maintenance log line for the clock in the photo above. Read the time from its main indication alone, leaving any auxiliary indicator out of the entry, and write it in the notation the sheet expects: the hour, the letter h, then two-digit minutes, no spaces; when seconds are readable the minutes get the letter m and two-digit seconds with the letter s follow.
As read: 10h34
